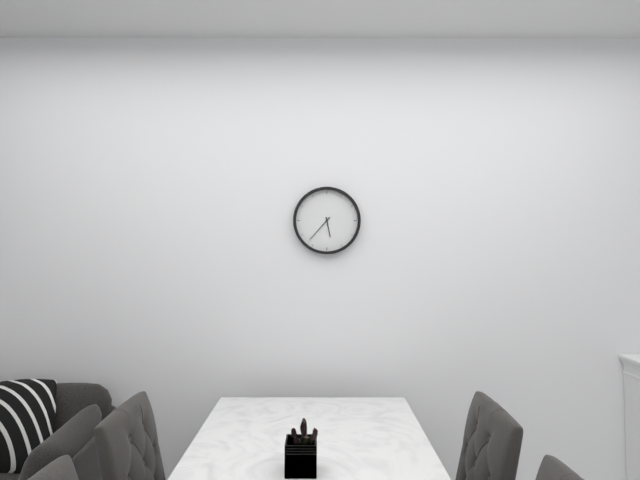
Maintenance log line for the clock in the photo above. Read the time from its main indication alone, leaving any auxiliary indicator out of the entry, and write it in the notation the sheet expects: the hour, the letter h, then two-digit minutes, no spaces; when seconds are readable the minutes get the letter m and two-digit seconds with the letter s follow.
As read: 5h37
